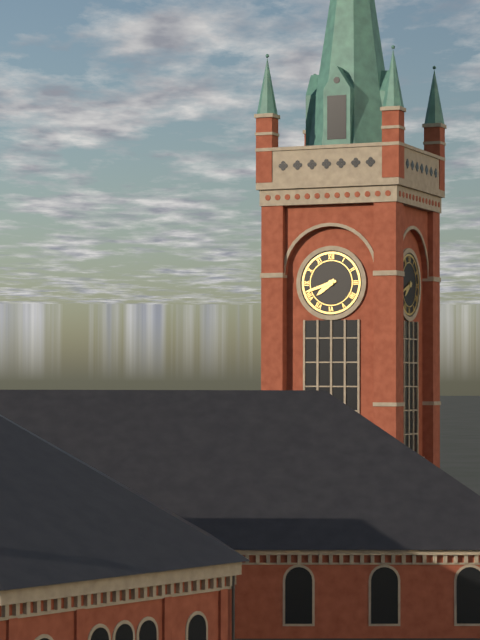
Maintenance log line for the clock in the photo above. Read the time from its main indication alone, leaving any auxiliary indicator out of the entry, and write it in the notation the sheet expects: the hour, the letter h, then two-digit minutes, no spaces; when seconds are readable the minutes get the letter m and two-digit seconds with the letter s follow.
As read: 7h42
